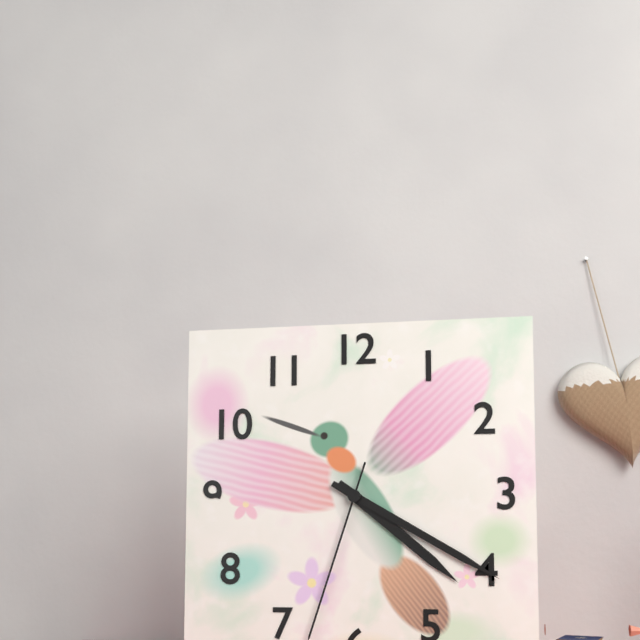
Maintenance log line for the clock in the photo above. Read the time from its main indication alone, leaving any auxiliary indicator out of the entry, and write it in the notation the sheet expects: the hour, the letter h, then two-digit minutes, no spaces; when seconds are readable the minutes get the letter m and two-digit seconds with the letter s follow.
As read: 4h20
